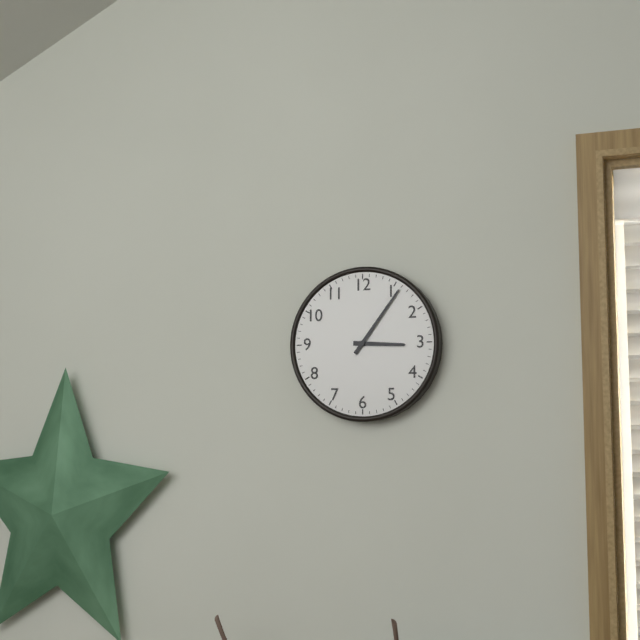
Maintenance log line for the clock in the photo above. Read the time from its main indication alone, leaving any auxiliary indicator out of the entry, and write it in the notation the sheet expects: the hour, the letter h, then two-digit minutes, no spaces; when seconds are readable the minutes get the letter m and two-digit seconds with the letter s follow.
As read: 3h06
